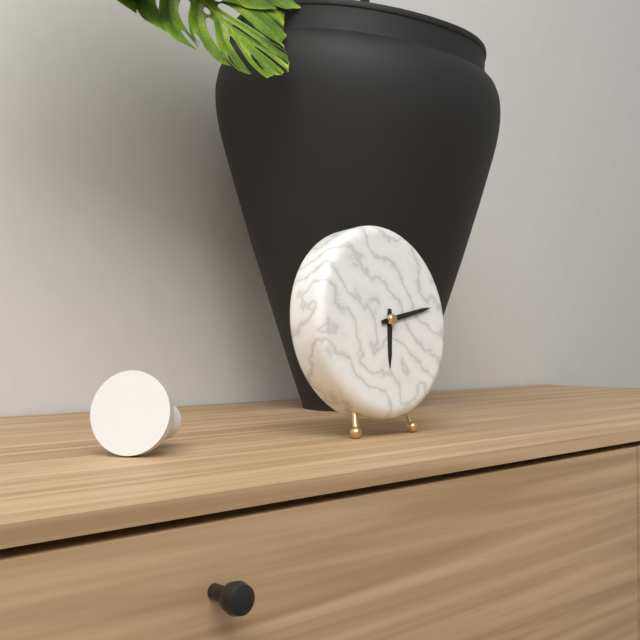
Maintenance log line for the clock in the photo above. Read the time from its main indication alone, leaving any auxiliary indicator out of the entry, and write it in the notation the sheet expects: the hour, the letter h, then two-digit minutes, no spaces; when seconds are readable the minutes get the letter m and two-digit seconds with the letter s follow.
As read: 6h13
